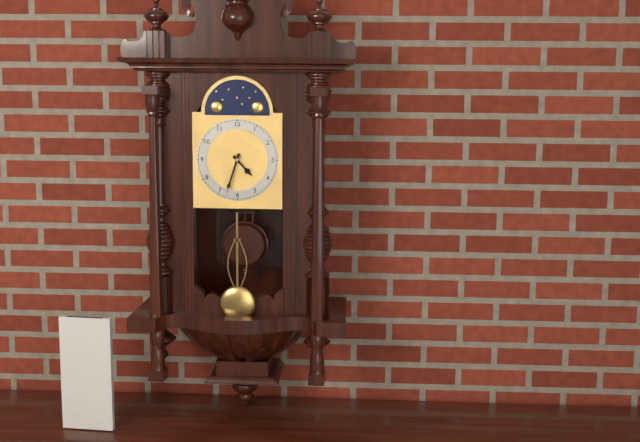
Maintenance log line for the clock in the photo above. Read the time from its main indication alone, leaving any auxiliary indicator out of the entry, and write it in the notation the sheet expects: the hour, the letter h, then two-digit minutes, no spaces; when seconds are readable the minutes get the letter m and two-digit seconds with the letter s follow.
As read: 4h33
